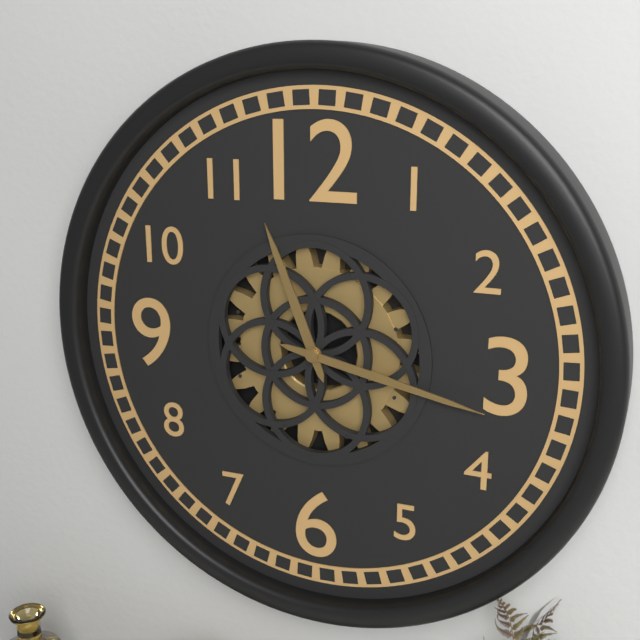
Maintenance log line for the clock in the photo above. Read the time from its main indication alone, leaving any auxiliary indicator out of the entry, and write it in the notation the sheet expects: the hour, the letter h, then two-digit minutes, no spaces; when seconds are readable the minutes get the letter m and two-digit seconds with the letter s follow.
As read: 11h17
